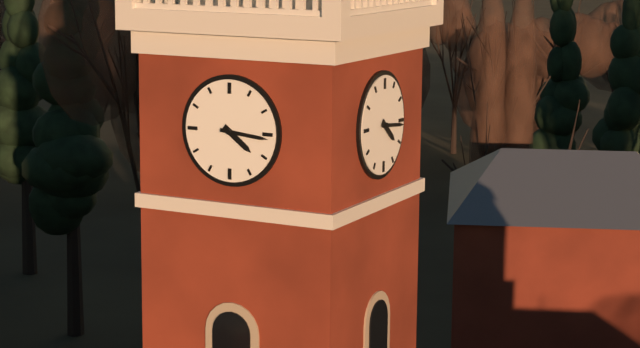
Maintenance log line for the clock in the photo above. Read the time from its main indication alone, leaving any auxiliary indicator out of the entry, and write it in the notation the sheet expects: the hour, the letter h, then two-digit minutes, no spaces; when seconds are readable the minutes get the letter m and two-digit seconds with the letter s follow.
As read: 4h16
